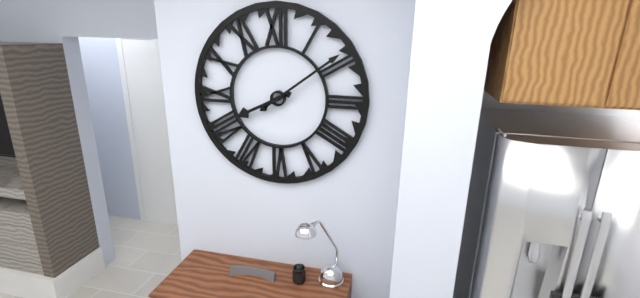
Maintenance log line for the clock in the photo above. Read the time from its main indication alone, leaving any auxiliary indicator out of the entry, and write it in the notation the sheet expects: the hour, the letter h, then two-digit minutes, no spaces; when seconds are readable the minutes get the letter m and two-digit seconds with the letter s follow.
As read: 8h09
